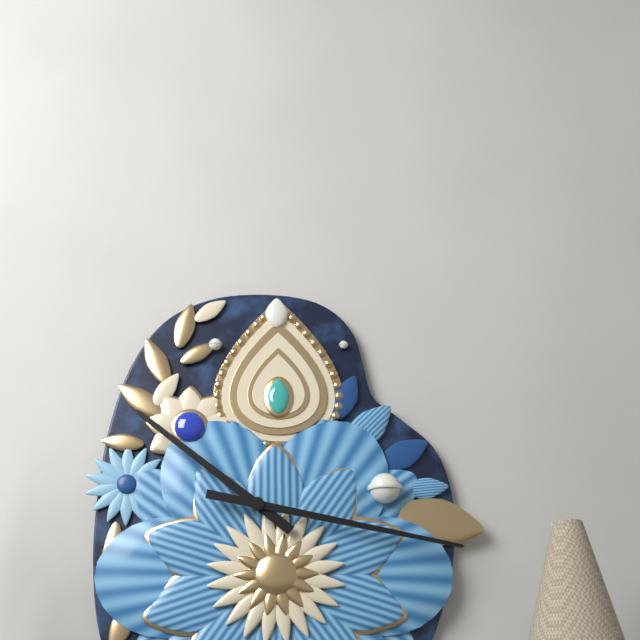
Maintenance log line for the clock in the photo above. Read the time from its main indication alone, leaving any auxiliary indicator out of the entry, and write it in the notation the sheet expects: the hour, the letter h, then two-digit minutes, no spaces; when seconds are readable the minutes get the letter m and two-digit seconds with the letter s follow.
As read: 10h17
